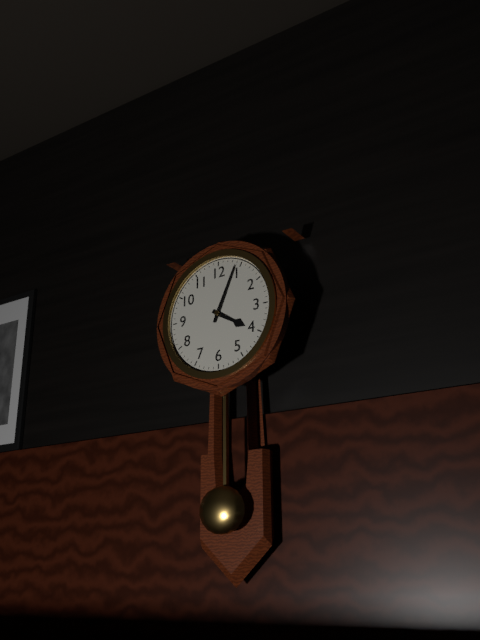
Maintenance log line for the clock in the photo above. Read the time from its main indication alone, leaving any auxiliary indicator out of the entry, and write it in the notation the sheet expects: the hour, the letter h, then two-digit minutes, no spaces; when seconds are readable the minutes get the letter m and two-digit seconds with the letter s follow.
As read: 4h04
